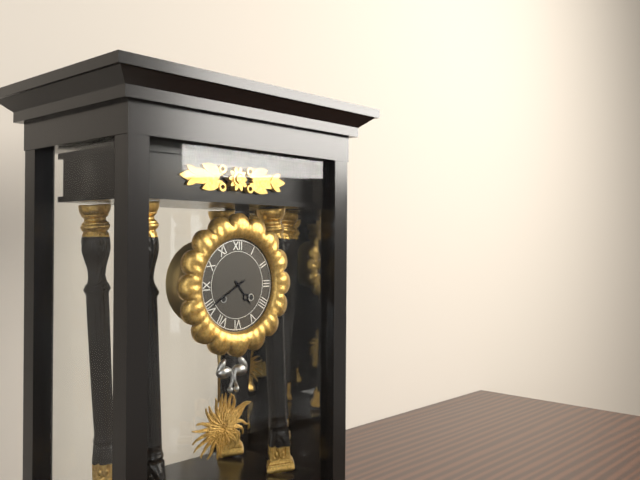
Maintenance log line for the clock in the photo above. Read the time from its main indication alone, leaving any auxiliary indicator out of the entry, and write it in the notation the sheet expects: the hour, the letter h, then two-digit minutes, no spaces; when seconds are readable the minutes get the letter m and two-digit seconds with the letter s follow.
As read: 4h40
